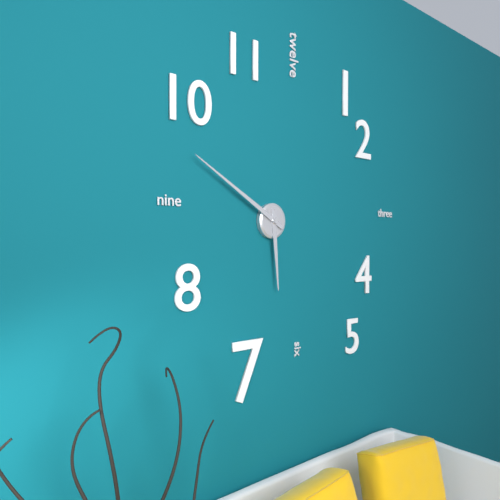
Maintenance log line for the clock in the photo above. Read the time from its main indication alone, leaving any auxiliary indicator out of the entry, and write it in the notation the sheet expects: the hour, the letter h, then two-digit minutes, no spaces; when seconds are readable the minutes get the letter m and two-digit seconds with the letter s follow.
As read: 5h50
